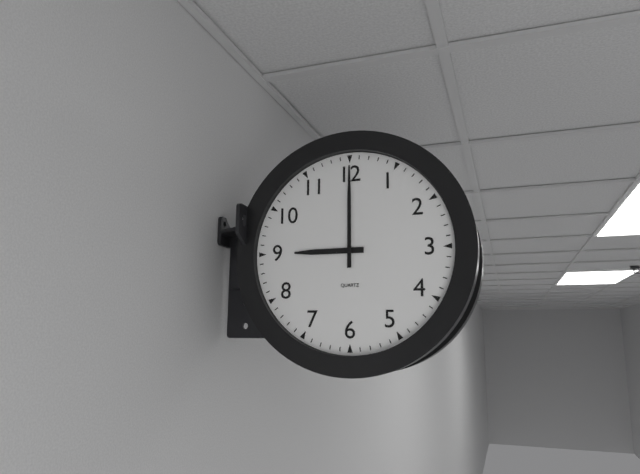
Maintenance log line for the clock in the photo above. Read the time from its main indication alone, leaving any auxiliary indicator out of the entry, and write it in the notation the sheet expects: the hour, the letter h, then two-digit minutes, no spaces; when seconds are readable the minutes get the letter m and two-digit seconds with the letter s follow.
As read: 9h00
